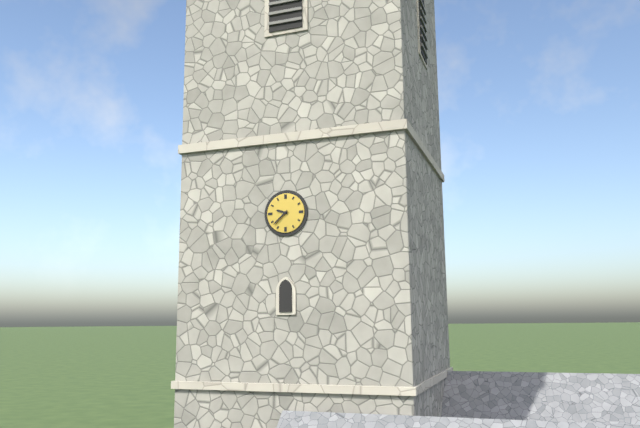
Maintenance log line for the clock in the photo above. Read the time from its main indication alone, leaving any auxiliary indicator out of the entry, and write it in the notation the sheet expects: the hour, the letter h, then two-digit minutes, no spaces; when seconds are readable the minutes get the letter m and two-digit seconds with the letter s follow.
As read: 9h38
